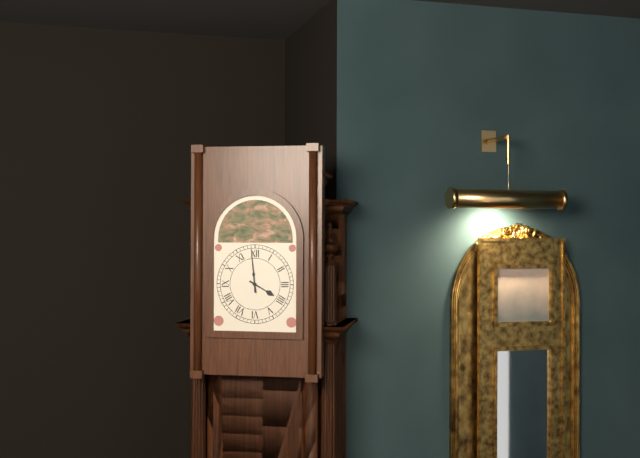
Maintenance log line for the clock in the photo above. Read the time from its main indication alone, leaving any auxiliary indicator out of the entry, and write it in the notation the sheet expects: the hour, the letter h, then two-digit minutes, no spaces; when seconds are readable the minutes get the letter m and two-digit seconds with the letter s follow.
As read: 3h59
